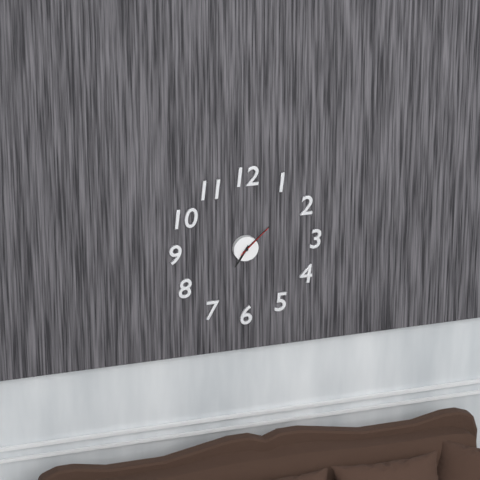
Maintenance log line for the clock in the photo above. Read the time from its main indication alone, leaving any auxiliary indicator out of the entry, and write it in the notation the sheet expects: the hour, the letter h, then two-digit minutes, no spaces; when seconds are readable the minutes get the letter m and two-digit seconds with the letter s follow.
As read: 7h08
